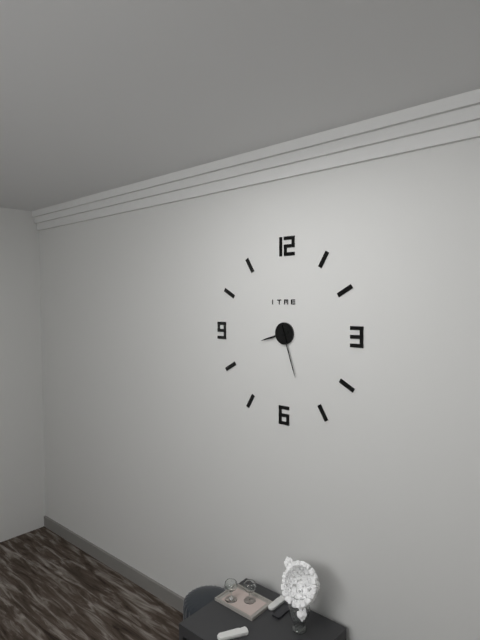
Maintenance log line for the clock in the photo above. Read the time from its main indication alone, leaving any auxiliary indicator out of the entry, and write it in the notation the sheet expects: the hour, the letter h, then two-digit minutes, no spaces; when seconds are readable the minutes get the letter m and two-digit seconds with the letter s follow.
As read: 8h27
